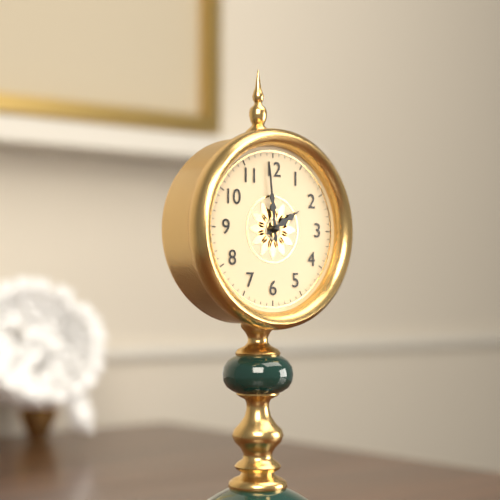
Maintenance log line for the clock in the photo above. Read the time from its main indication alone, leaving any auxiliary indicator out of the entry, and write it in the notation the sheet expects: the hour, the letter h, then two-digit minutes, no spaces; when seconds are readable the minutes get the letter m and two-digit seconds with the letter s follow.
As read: 1h59
